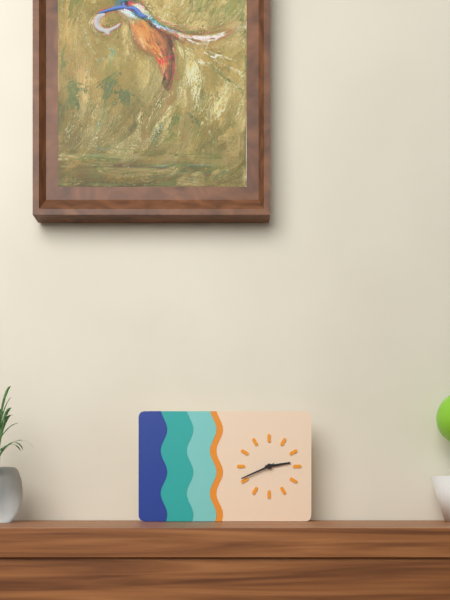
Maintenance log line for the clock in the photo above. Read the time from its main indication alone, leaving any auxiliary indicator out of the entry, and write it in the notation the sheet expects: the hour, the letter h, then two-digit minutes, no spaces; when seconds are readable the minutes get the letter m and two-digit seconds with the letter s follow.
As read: 2h41
